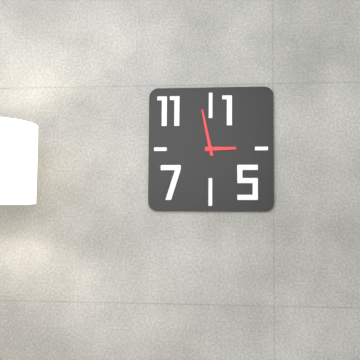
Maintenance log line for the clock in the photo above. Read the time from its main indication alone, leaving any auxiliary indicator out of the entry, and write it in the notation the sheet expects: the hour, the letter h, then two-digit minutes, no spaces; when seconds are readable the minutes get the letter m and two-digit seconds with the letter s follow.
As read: 2h58
